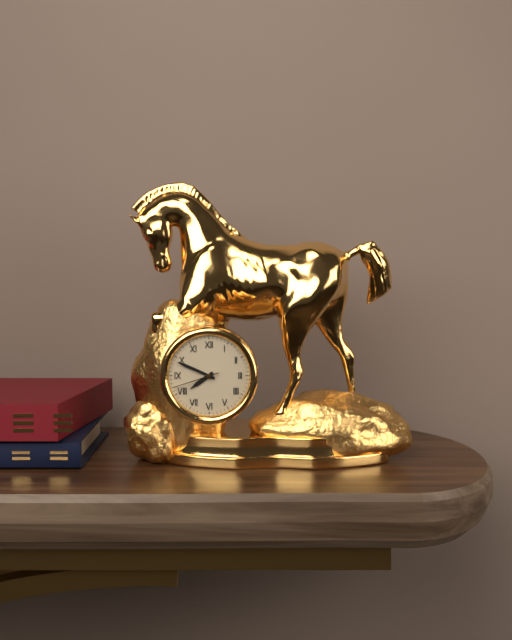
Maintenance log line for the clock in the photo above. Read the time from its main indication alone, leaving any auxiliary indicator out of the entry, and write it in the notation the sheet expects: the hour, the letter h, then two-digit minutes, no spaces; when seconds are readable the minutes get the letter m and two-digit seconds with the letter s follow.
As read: 7h49
